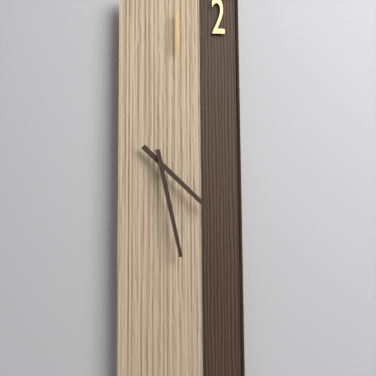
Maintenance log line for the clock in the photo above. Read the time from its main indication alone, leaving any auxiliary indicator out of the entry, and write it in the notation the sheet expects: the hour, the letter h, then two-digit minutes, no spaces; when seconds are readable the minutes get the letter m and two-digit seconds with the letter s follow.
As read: 4h28
